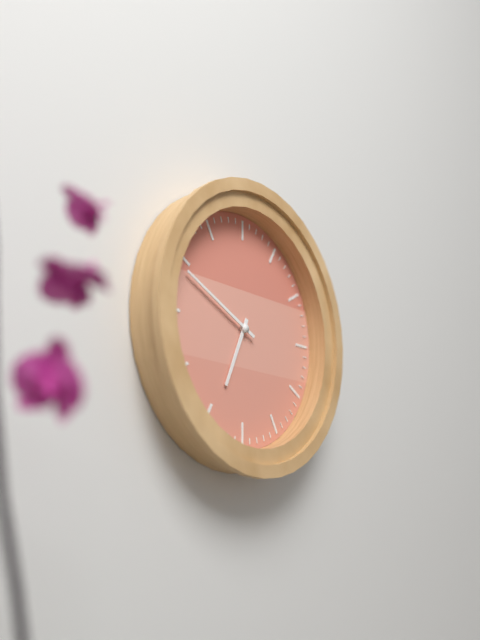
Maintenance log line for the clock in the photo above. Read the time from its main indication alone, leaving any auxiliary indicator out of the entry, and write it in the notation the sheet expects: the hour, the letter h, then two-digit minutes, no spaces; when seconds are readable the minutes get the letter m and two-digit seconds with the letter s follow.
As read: 6h49
